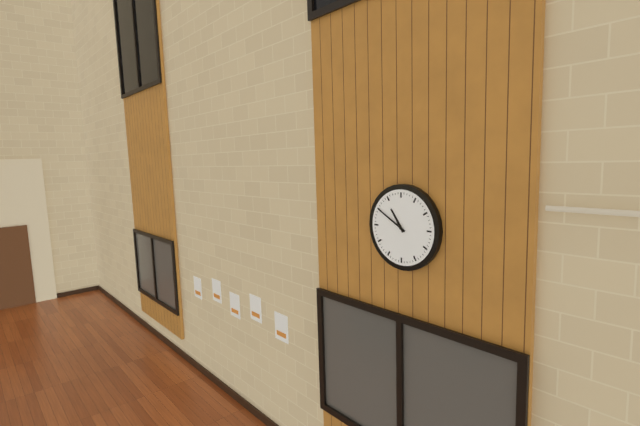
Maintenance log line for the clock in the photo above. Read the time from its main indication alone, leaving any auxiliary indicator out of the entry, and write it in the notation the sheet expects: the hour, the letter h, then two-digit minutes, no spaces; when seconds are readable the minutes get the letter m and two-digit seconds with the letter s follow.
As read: 10h50
